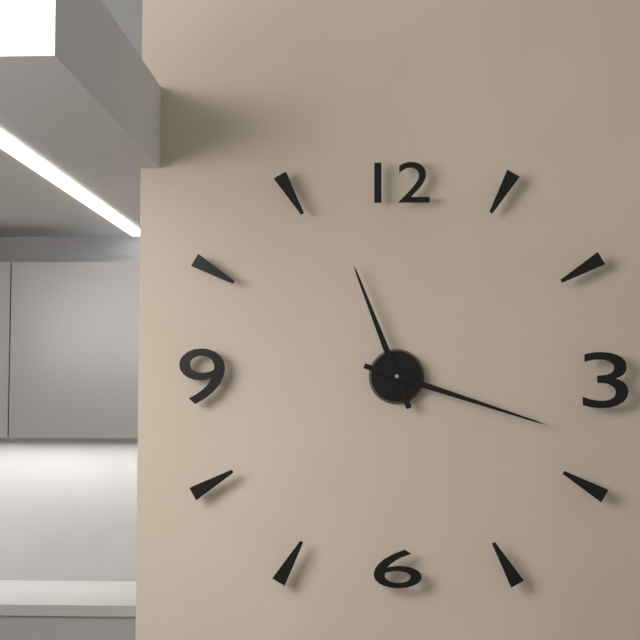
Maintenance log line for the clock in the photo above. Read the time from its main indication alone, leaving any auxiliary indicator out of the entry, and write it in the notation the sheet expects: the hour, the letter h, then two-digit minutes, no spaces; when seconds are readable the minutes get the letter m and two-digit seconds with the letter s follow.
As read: 11h18
